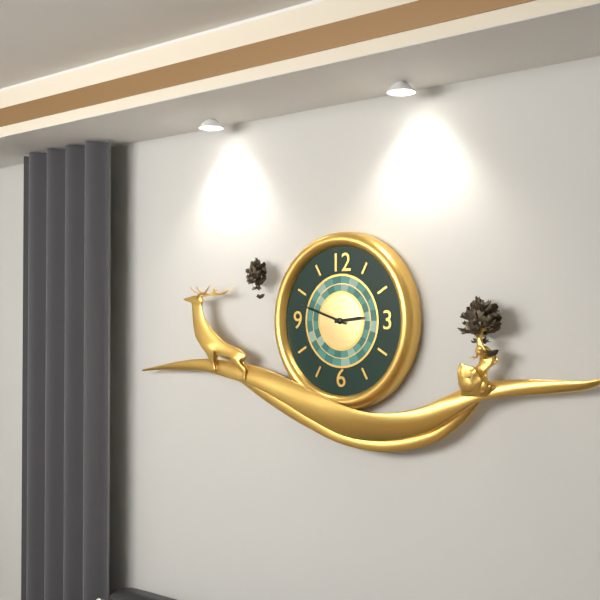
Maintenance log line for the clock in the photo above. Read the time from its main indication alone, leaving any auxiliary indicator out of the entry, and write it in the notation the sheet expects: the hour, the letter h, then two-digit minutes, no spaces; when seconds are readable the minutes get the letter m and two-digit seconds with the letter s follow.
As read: 2h48
